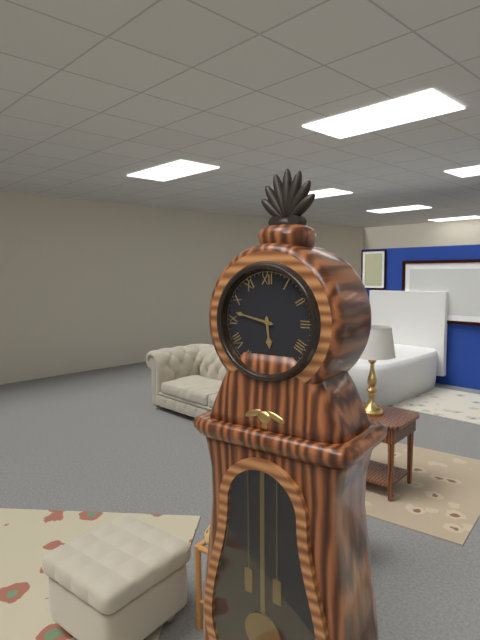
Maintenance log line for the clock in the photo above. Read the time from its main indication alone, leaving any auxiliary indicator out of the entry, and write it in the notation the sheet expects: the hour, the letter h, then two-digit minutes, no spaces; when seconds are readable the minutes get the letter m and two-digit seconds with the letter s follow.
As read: 5h47
